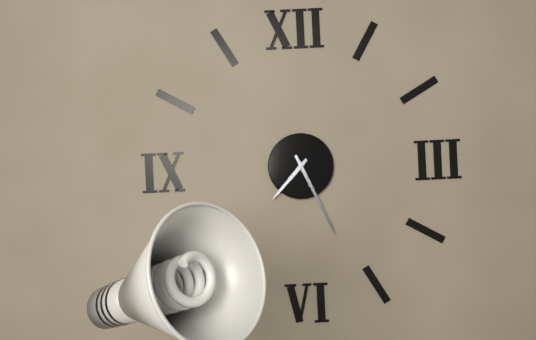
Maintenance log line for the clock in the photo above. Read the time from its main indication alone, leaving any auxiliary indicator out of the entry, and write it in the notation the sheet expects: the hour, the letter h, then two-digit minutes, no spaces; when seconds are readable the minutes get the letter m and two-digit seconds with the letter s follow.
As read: 7h26
